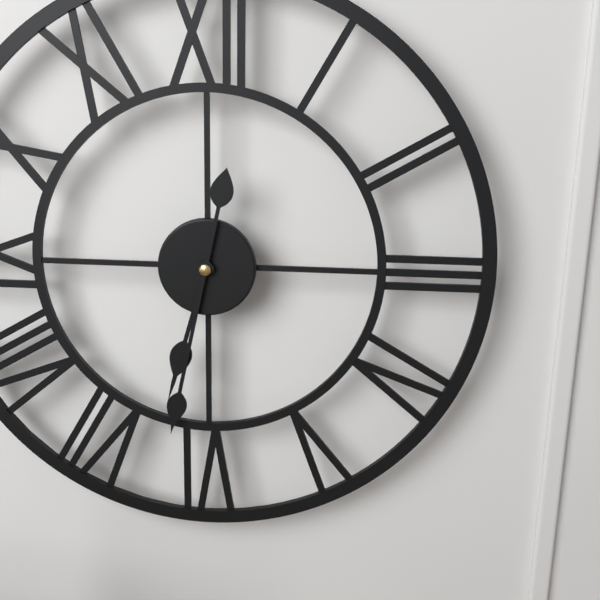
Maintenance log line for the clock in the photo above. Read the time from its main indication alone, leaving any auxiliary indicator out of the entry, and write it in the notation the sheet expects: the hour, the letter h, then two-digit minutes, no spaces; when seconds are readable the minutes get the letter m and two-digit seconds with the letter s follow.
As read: 6h32
